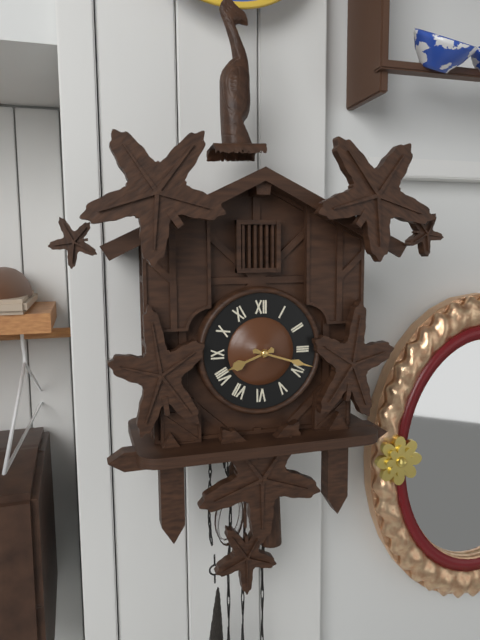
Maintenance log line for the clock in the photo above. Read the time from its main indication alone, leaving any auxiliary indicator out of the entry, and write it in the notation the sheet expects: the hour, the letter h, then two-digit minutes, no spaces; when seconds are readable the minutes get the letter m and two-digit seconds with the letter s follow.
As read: 8h18
